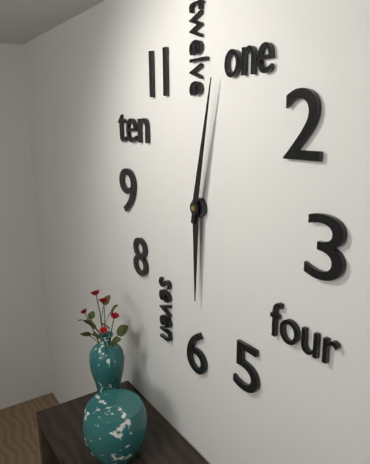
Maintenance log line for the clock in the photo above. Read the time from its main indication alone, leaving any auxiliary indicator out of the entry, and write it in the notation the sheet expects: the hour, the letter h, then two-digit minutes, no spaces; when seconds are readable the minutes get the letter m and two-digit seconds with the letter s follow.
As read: 6h02
